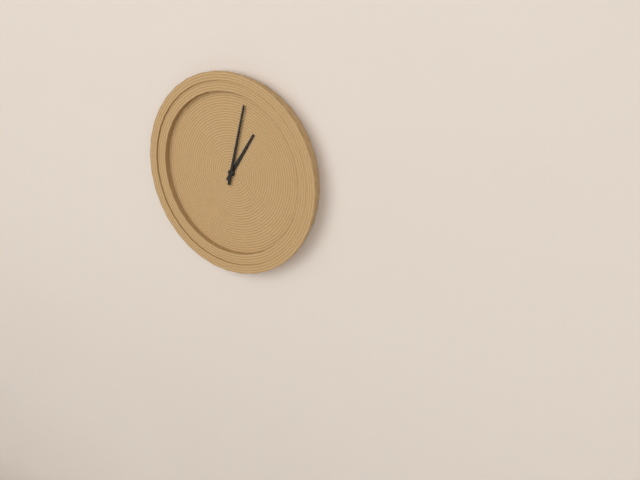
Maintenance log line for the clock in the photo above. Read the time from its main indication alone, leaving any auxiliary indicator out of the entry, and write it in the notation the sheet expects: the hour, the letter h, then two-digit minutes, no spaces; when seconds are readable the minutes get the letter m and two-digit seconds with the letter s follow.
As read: 1h02
